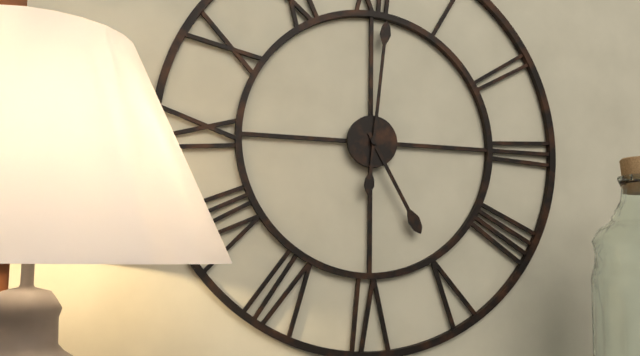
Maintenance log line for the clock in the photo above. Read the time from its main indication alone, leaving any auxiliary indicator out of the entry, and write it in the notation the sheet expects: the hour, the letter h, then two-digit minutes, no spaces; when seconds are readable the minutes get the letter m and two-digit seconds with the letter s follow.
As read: 5h01
